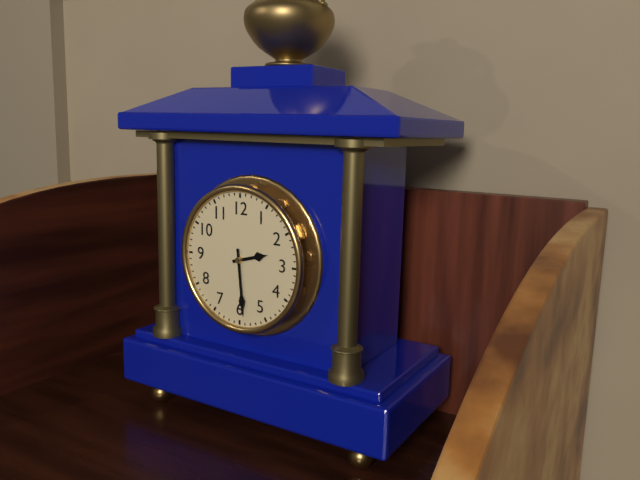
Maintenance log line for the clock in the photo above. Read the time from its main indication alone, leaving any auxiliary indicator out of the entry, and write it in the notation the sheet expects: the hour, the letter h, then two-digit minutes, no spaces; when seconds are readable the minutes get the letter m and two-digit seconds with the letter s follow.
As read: 2h29
